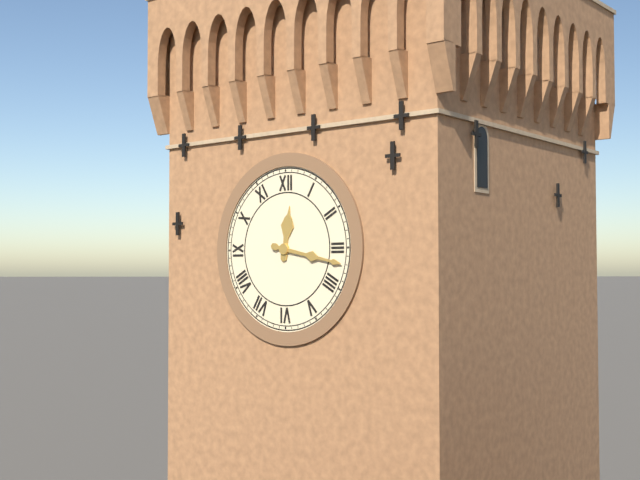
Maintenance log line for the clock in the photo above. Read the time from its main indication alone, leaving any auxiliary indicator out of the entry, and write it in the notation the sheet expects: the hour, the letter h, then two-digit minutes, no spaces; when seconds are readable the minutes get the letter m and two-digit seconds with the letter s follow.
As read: 12h17
